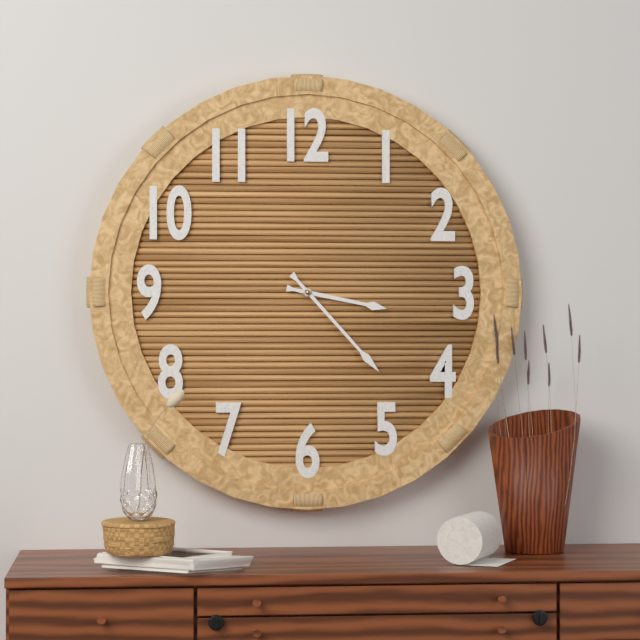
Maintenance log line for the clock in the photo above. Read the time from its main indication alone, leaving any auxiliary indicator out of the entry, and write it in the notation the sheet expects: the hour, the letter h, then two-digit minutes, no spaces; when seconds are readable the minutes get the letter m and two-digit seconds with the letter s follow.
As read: 3h23
